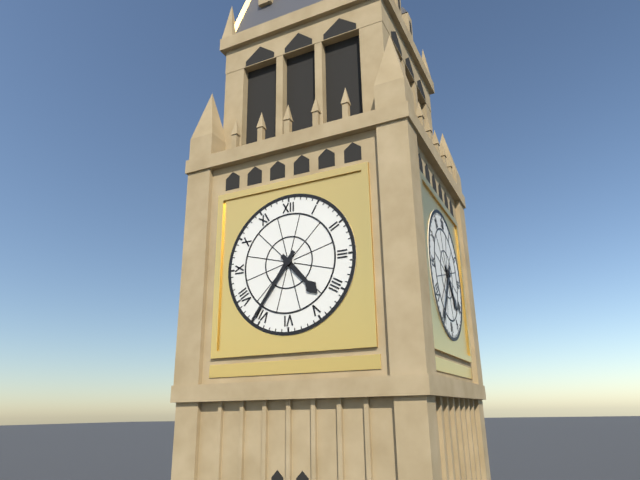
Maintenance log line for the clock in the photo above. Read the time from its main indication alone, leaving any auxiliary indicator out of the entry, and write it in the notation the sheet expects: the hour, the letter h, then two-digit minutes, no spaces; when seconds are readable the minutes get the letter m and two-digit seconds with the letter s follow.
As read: 4h36
